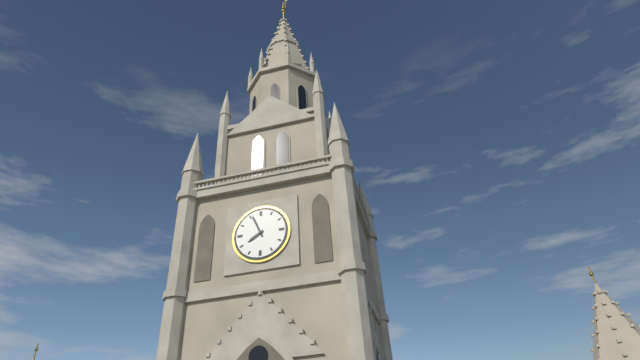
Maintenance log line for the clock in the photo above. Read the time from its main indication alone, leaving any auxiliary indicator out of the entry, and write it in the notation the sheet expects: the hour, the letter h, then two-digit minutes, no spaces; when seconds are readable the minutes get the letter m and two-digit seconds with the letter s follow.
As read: 7h56
